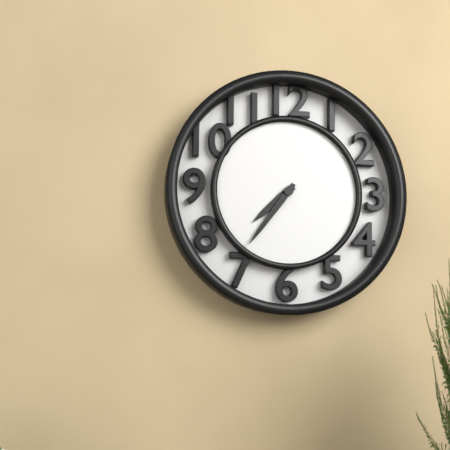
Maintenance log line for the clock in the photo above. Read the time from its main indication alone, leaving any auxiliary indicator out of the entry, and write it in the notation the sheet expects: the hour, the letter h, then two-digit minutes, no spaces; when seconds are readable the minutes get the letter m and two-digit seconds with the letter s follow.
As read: 7h36
